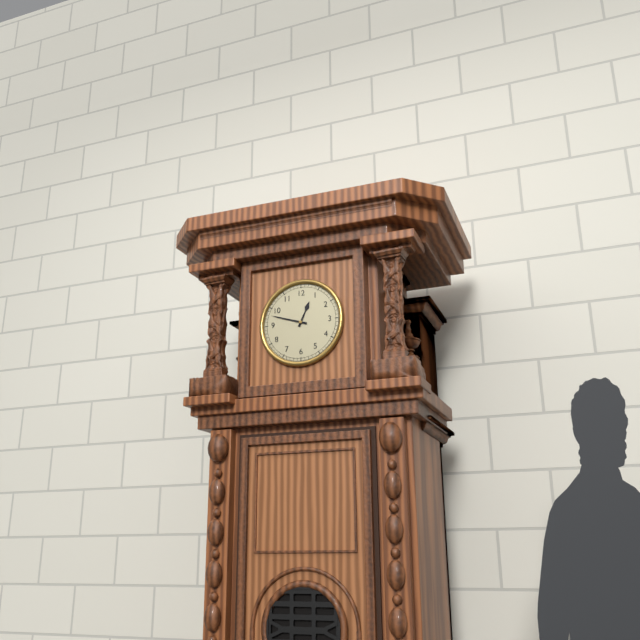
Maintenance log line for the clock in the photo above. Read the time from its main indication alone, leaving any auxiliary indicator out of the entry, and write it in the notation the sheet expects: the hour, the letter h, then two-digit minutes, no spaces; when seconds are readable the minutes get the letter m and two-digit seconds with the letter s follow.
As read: 12h48
